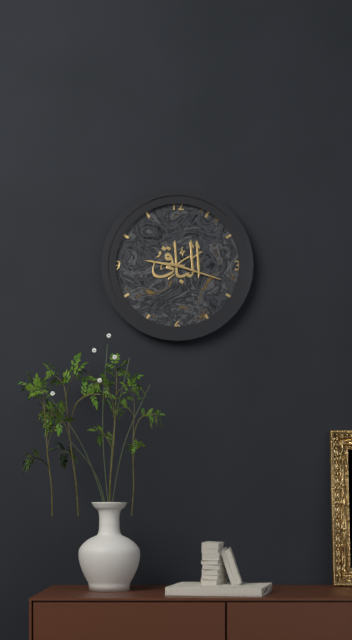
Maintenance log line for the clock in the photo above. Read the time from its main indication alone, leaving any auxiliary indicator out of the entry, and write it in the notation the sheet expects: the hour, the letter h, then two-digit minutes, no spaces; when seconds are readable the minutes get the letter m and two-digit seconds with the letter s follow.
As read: 9h18
